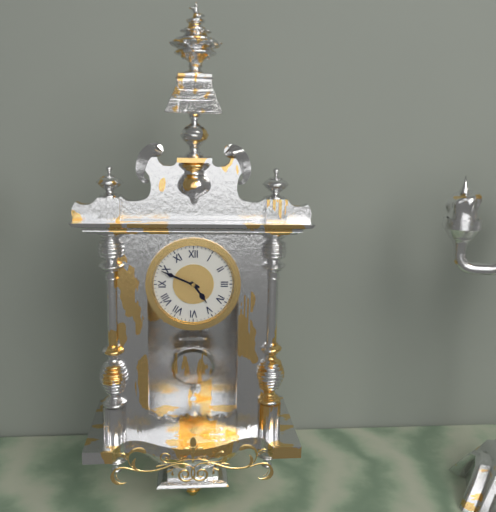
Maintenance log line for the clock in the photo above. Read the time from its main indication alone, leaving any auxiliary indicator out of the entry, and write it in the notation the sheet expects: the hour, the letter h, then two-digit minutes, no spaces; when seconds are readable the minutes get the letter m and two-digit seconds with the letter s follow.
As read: 4h49
